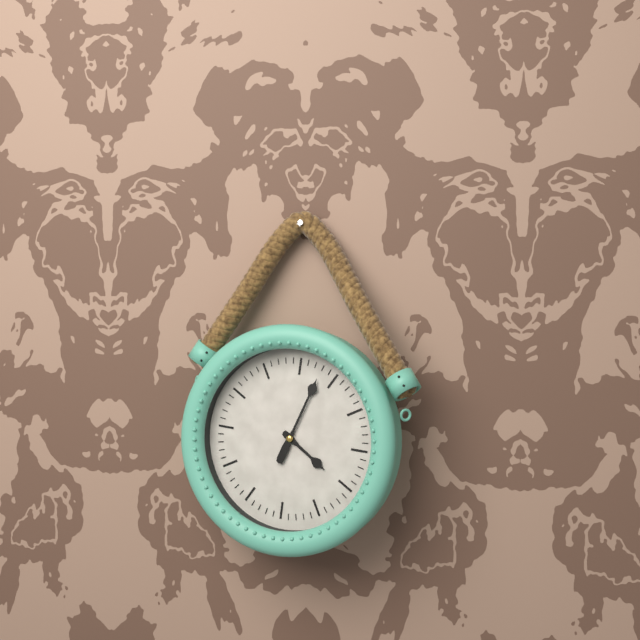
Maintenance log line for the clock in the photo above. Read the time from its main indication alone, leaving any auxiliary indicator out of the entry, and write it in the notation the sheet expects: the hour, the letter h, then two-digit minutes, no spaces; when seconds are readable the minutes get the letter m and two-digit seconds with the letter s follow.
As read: 4h03
